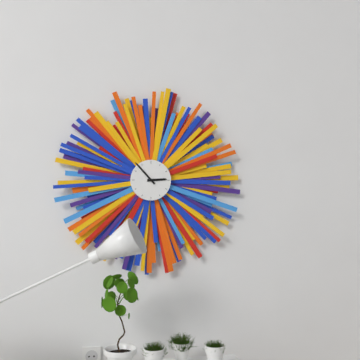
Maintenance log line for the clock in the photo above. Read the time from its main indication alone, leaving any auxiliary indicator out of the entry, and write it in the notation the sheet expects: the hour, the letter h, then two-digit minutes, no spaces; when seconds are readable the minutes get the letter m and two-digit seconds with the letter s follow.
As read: 2h53
